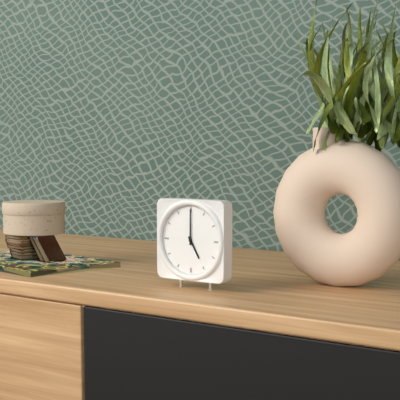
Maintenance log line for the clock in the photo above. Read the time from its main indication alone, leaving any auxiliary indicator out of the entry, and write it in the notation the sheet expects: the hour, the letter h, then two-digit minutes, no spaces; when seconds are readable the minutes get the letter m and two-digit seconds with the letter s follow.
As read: 5h00
